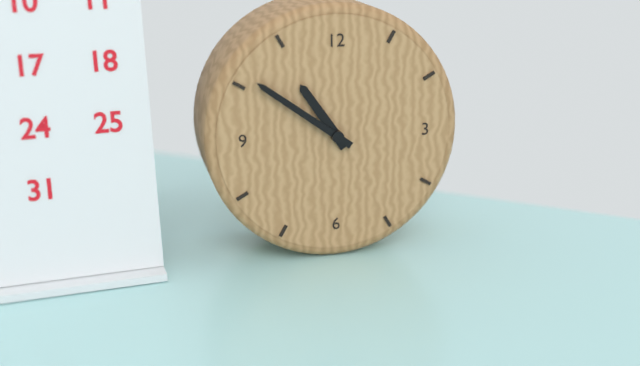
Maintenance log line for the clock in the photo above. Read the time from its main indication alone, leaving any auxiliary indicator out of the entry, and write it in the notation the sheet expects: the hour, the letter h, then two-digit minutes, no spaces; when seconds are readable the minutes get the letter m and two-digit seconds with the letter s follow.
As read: 10h51
